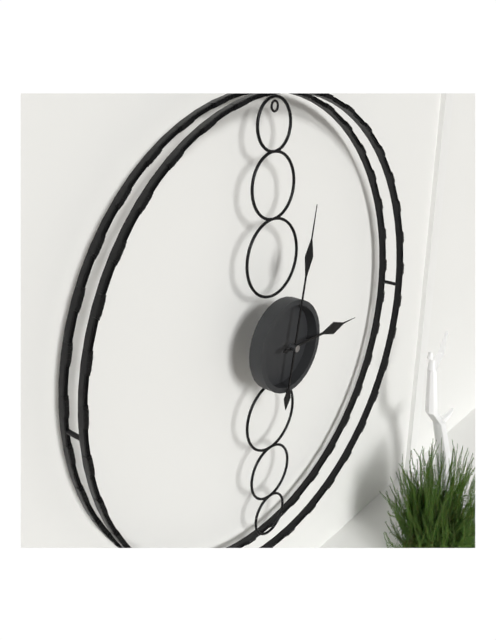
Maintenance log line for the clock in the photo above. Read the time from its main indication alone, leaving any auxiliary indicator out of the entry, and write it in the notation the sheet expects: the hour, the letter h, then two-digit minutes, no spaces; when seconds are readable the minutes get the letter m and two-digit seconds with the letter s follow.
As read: 3h02
